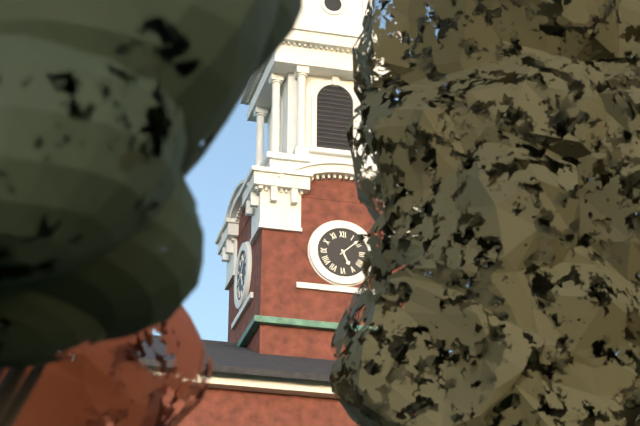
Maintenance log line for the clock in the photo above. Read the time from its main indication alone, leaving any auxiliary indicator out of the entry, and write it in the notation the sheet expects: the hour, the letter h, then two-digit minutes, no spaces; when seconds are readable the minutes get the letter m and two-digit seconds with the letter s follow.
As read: 5h08
